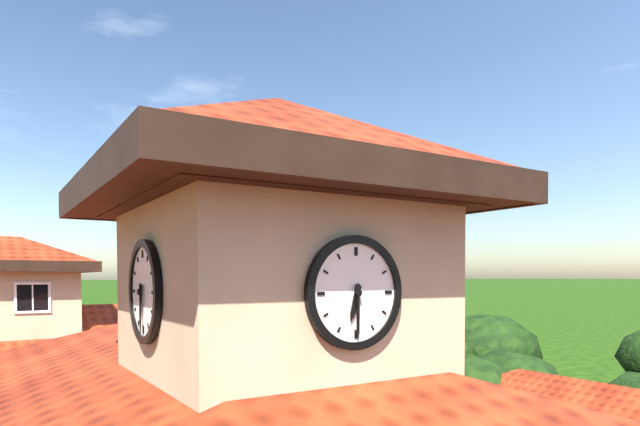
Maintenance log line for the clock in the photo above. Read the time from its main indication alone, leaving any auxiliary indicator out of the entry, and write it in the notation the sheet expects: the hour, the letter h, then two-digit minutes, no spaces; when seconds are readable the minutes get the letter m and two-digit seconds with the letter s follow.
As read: 6h30
